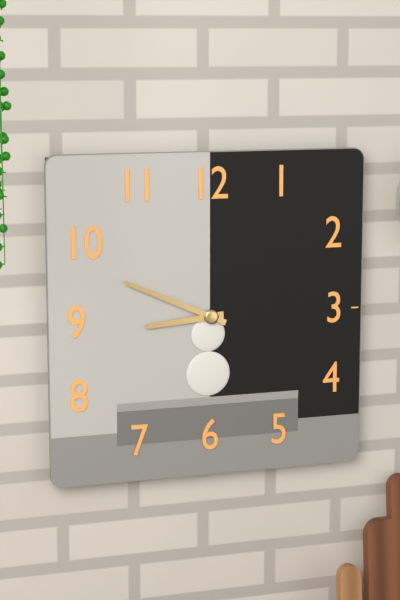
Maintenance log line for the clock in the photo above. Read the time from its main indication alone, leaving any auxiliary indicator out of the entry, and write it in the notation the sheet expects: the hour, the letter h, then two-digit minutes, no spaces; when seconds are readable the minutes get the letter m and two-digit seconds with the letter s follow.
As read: 8h49
